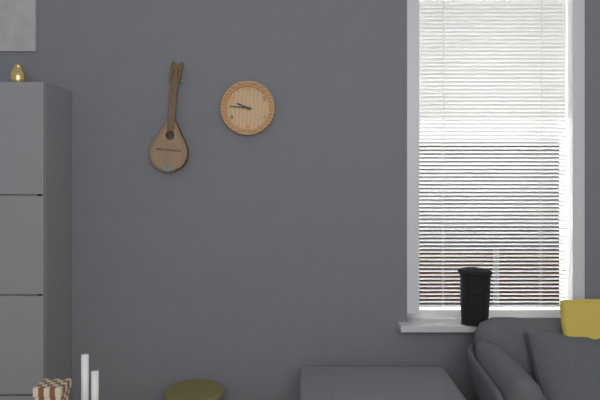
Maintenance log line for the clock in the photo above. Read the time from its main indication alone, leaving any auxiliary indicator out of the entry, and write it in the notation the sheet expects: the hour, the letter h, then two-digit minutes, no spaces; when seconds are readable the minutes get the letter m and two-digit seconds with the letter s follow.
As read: 9h46
